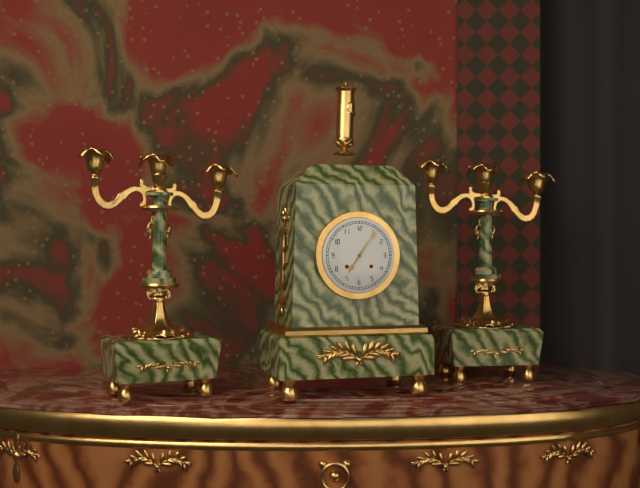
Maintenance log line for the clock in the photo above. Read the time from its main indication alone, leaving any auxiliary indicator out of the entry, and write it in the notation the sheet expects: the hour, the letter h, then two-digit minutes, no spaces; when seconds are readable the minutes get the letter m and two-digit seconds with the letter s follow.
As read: 7h06
